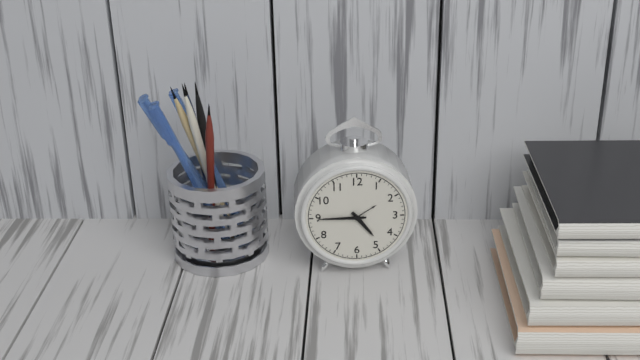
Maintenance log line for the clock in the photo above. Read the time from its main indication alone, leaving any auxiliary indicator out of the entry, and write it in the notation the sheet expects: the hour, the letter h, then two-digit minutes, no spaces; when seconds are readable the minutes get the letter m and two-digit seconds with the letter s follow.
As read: 4h45
